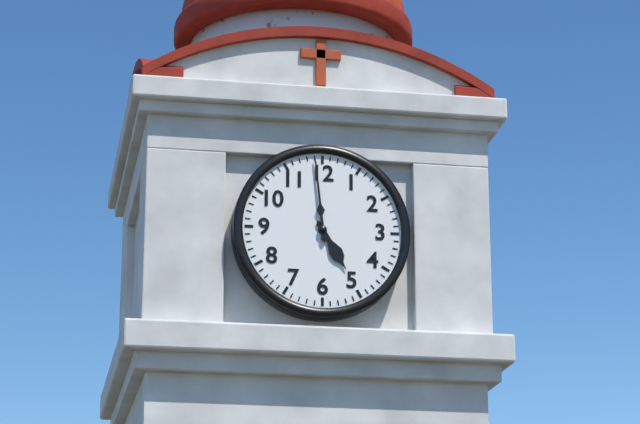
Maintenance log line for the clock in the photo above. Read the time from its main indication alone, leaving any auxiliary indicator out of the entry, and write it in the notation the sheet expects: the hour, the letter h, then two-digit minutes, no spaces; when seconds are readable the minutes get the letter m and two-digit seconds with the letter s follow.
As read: 4h59
